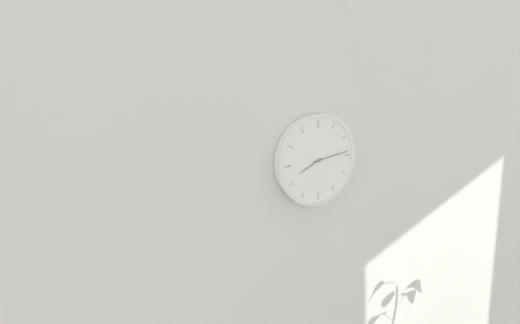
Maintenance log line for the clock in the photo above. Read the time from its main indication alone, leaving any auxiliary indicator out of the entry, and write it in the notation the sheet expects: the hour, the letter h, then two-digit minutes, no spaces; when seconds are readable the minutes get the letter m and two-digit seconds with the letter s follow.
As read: 8h14
